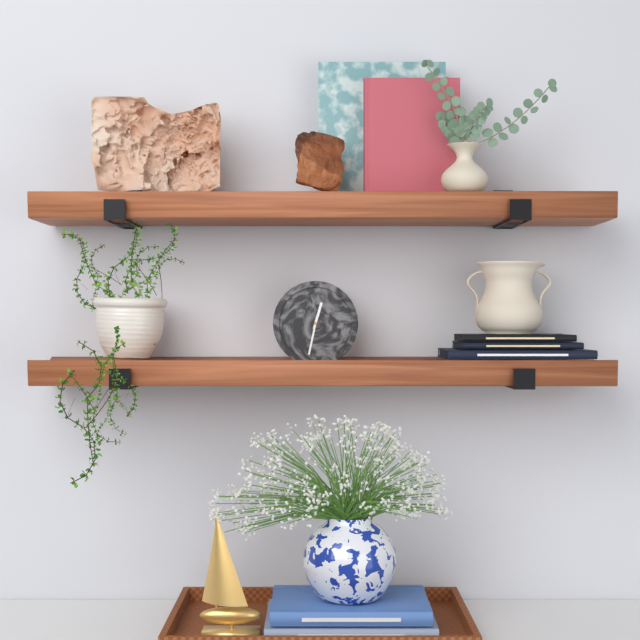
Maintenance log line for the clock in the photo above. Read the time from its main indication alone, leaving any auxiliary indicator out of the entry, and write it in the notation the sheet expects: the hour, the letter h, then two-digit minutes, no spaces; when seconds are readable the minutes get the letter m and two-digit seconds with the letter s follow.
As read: 12h32
